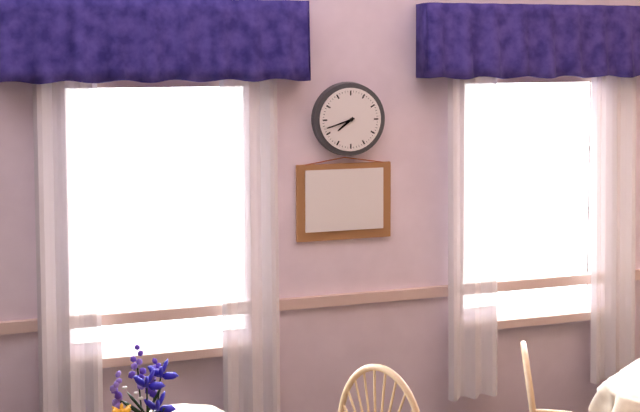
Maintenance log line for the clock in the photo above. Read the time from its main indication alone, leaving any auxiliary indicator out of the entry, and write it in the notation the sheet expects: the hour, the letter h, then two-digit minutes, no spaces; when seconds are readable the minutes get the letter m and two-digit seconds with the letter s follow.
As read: 7h42
